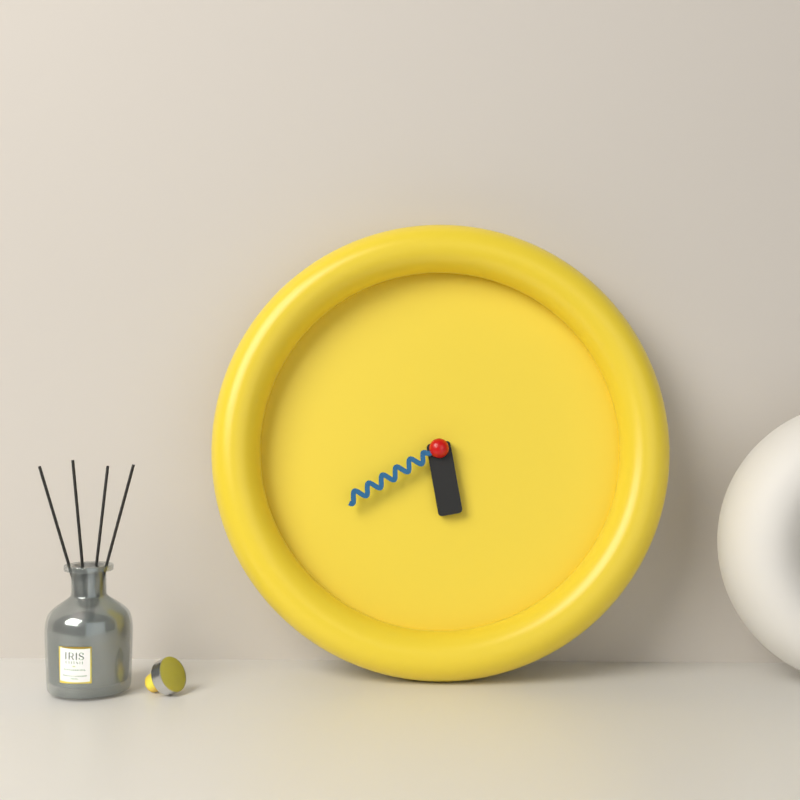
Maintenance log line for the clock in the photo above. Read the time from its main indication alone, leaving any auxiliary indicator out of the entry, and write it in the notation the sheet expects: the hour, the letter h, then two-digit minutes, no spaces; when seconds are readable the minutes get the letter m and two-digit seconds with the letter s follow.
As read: 5h40
